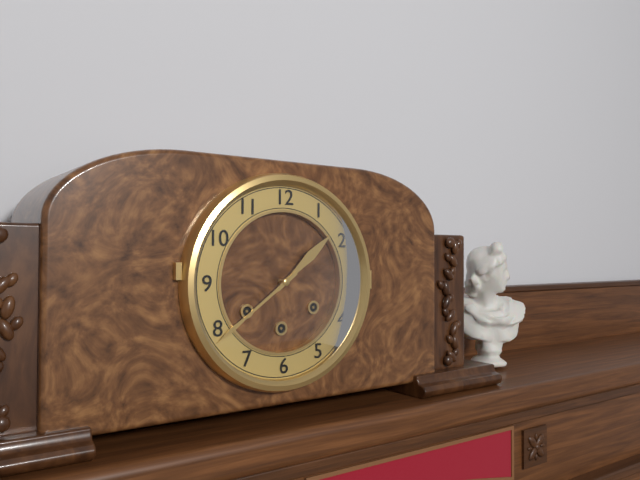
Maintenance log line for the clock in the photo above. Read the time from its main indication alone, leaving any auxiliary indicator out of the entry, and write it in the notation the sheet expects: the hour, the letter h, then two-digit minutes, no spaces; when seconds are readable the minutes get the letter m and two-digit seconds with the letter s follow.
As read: 1h39
